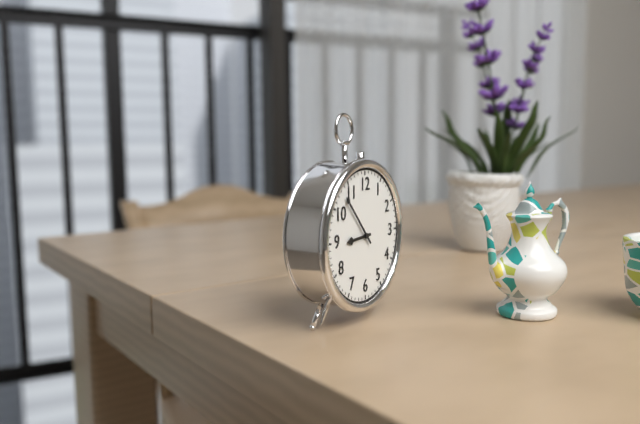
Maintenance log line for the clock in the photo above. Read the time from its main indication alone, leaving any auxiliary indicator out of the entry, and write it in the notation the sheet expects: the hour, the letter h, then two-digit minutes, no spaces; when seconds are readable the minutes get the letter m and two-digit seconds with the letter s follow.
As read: 8h53
